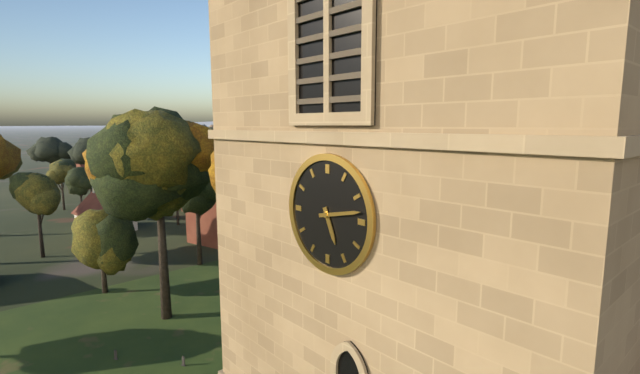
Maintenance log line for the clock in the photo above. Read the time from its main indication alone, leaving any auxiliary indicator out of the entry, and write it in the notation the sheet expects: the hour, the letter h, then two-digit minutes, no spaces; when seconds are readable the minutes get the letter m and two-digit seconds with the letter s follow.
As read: 5h13
